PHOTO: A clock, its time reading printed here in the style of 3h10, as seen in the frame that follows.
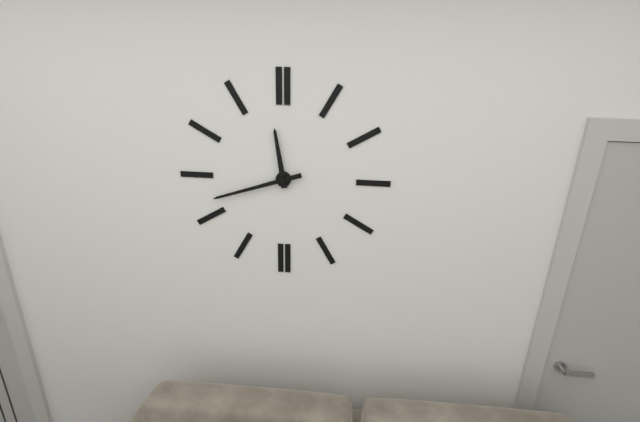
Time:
11h42
